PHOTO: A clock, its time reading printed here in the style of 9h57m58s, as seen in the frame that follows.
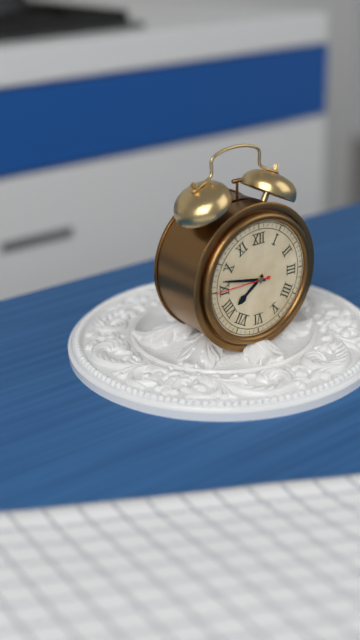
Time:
7h47m45s
